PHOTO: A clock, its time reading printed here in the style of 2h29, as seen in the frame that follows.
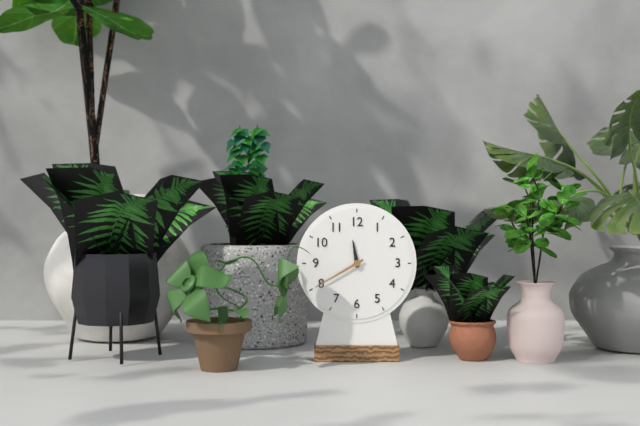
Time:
11h40
